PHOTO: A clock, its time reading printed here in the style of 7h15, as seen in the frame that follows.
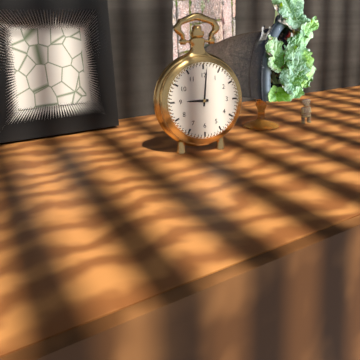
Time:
9h01
